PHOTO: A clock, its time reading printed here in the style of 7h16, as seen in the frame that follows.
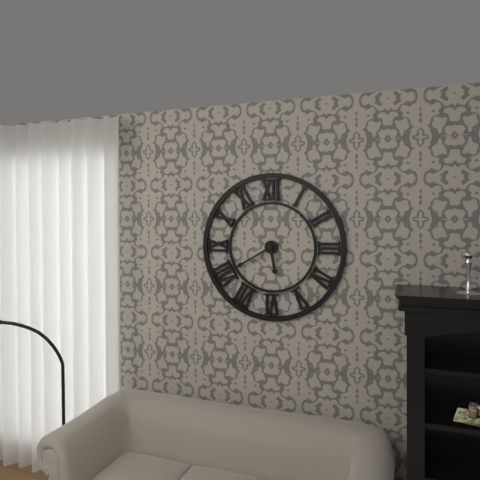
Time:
5h40
